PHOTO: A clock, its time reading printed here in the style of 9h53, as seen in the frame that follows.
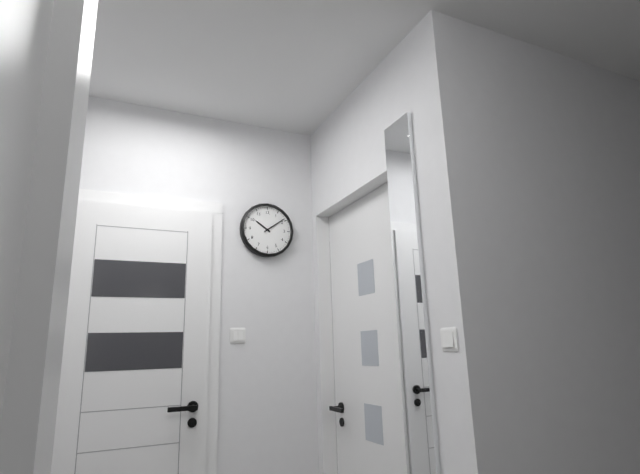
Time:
10h09
